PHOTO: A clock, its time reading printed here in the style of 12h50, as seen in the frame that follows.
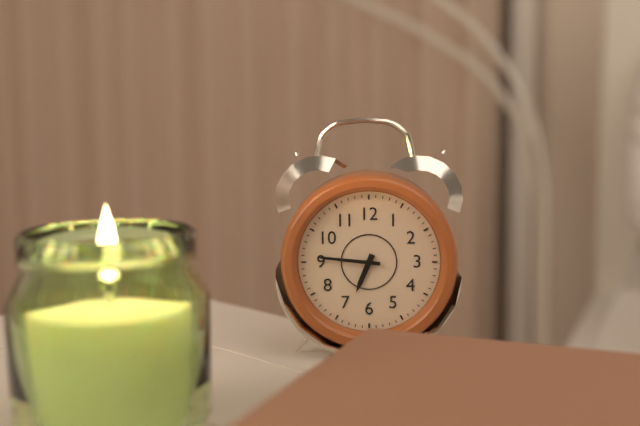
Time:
6h46
